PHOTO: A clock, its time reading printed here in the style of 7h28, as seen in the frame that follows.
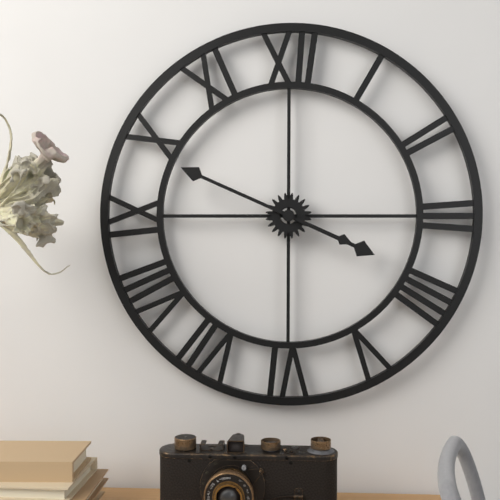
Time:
3h49
